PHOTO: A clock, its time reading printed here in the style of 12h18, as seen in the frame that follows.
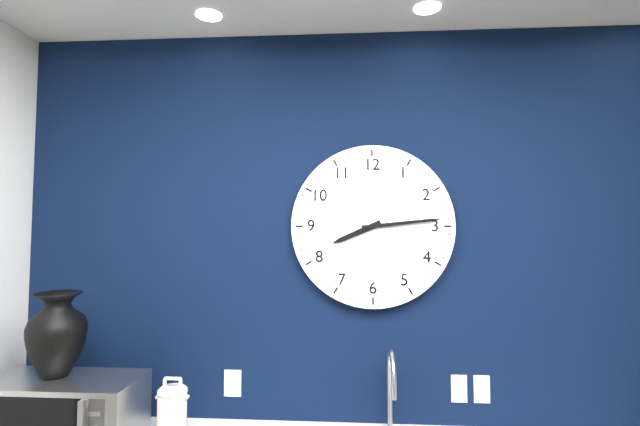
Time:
8h14
